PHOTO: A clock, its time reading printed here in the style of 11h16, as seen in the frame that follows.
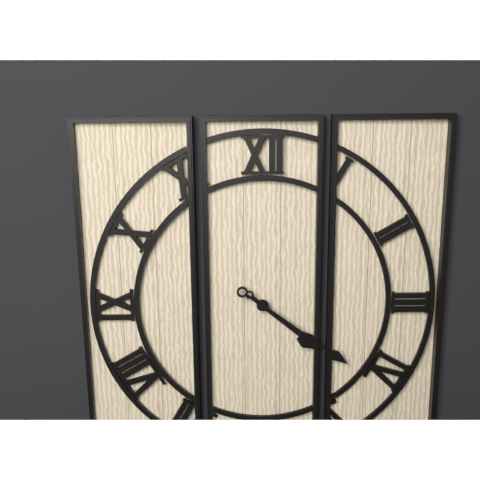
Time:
4h21
